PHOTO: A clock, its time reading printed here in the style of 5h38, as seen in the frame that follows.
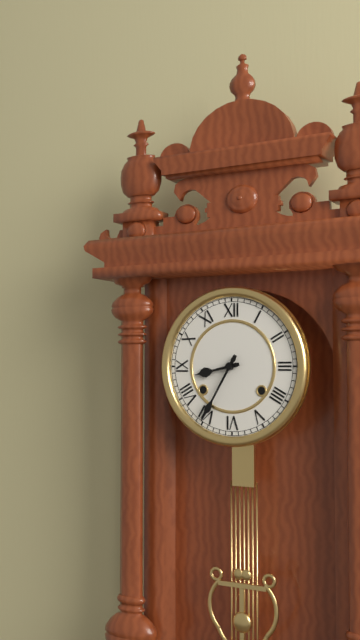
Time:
8h35
